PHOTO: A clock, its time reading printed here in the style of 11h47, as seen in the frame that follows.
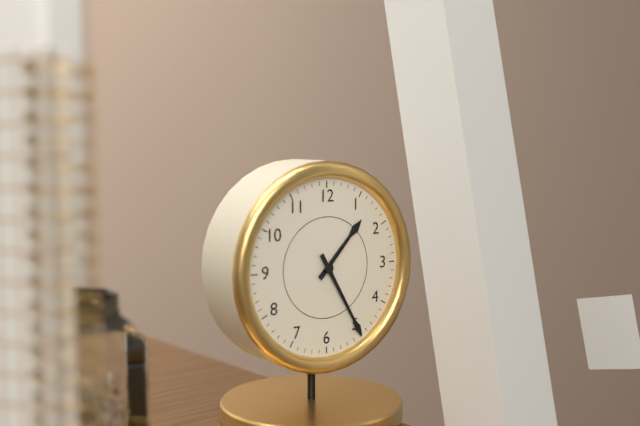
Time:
1h25
